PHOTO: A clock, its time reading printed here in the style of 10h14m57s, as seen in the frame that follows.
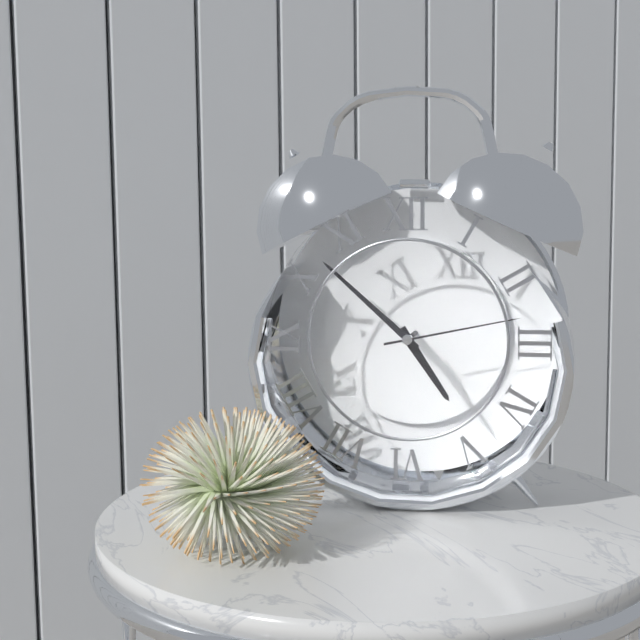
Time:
4h52m13s
